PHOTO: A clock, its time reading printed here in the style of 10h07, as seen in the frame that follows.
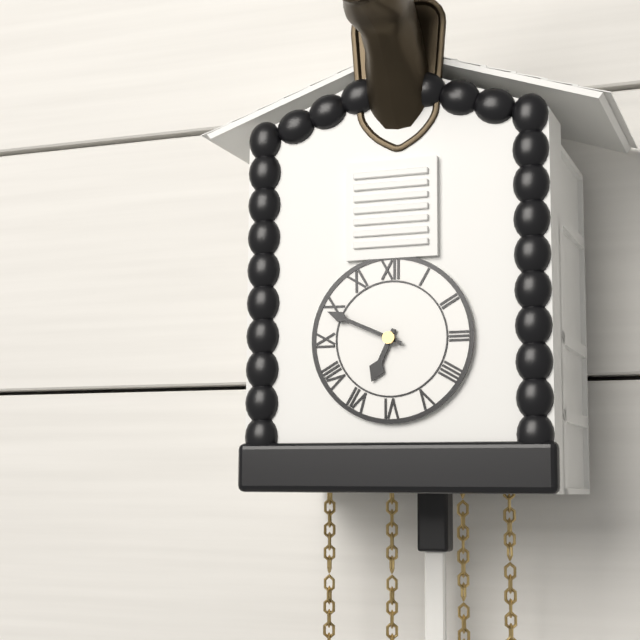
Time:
6h49
